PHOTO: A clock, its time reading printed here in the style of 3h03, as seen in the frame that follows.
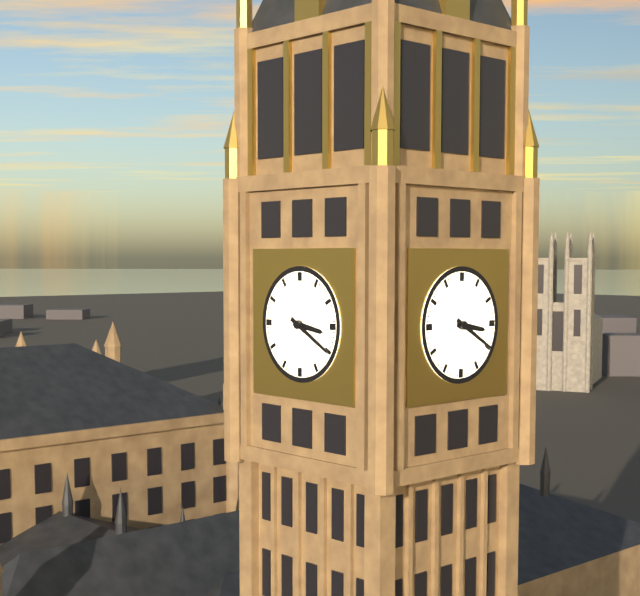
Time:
3h20
